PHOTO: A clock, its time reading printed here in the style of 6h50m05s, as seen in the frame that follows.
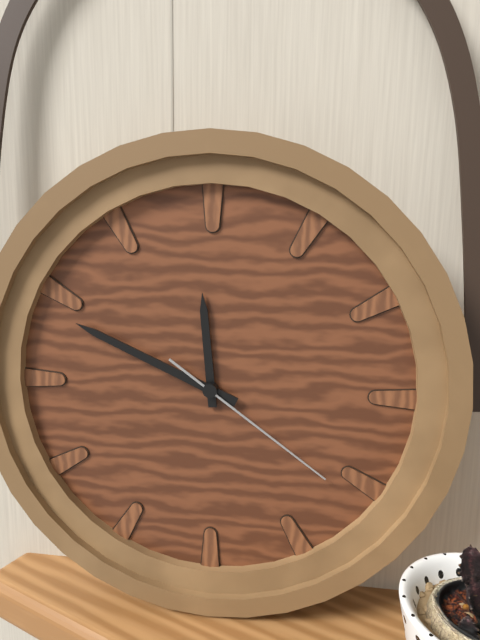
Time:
11h49m21s
